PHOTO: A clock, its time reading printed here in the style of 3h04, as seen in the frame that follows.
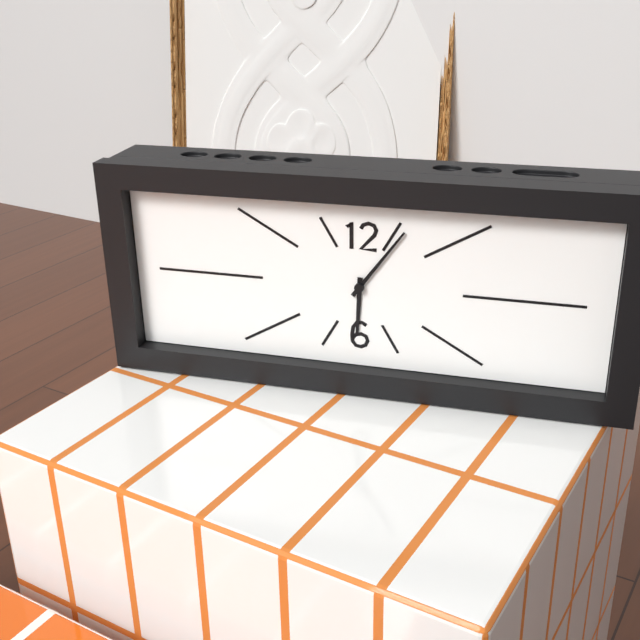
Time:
6h06
